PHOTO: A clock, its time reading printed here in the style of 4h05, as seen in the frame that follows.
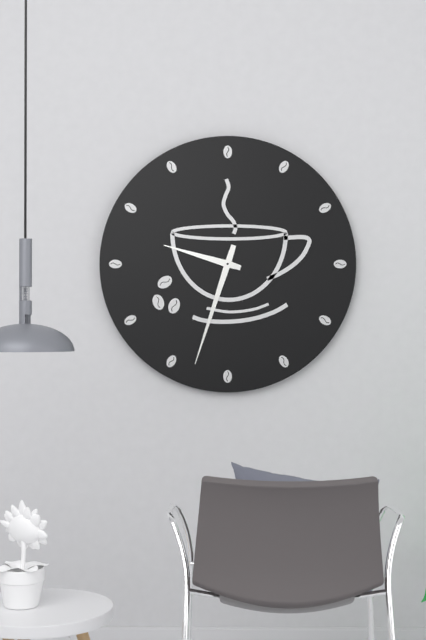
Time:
9h33
